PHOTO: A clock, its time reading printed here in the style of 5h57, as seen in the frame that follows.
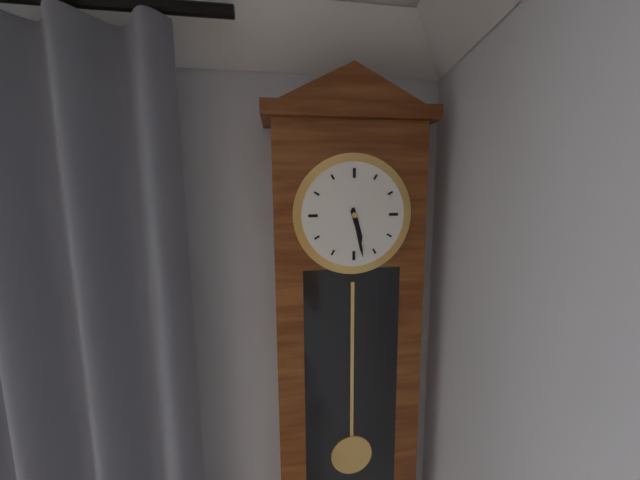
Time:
5h28
